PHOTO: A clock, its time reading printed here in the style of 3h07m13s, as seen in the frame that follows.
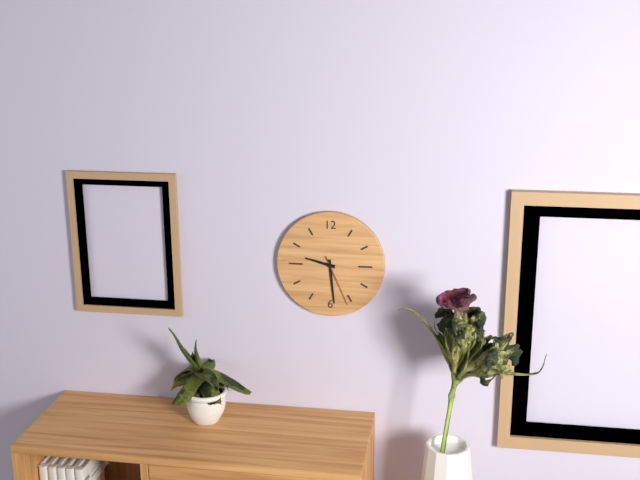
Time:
9h29m26s
